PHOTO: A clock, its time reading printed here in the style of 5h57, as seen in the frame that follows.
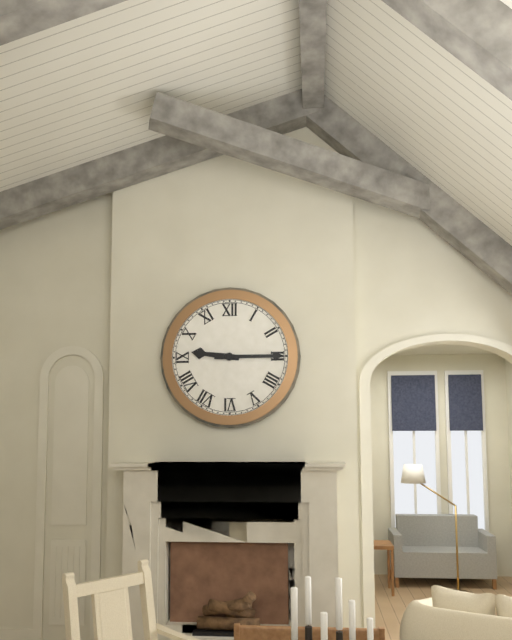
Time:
9h15
